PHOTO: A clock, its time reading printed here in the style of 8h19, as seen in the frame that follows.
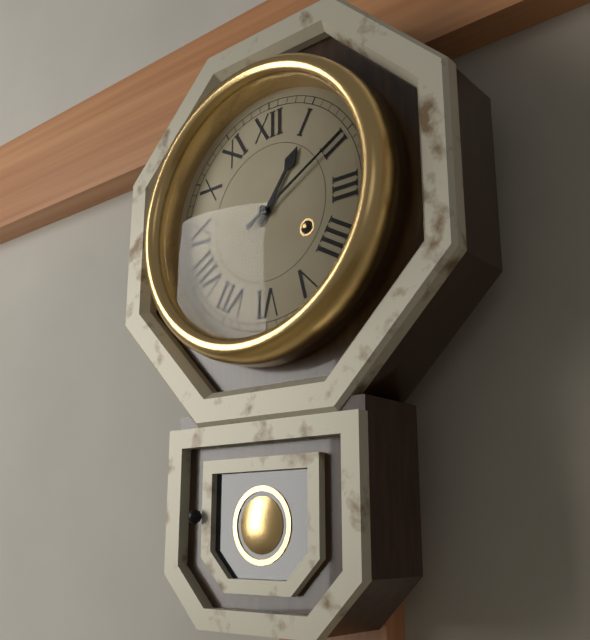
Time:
1h10
